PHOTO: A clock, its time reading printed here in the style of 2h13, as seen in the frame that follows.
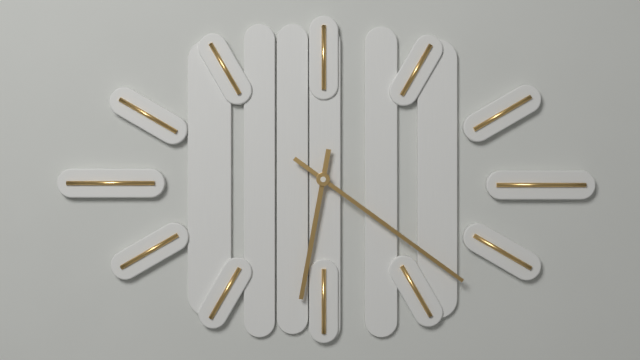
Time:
6h21
